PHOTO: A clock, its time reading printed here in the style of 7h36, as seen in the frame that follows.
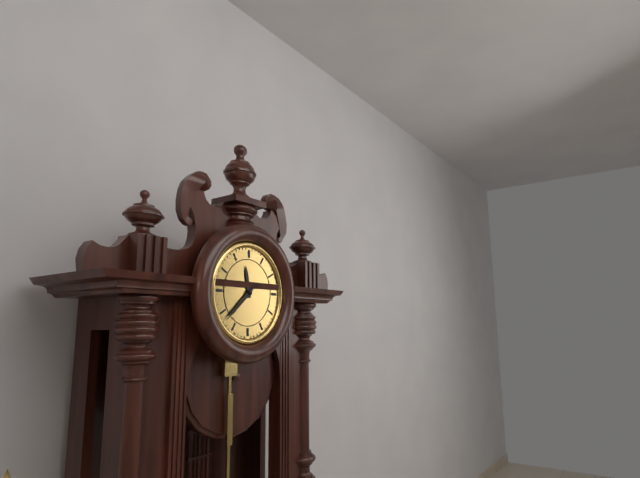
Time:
11h38
